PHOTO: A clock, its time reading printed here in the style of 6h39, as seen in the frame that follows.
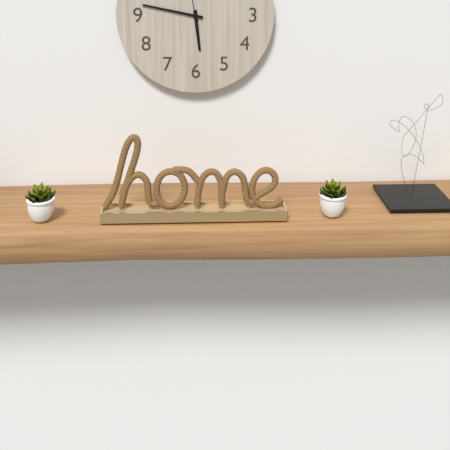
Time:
5h47
